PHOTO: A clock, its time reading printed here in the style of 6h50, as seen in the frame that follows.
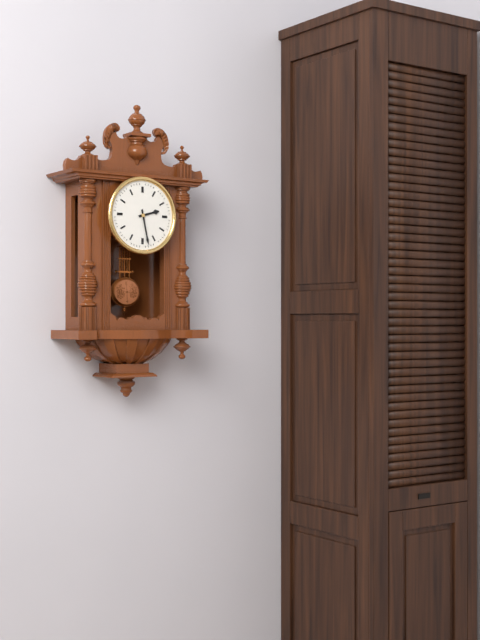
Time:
2h28
